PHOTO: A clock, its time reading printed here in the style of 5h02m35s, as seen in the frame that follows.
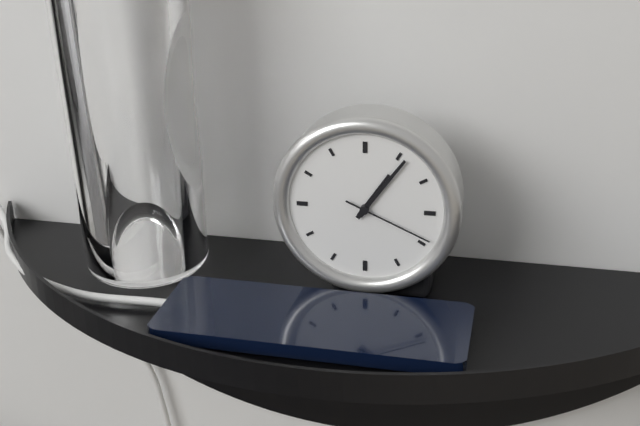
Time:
1h06m19s
